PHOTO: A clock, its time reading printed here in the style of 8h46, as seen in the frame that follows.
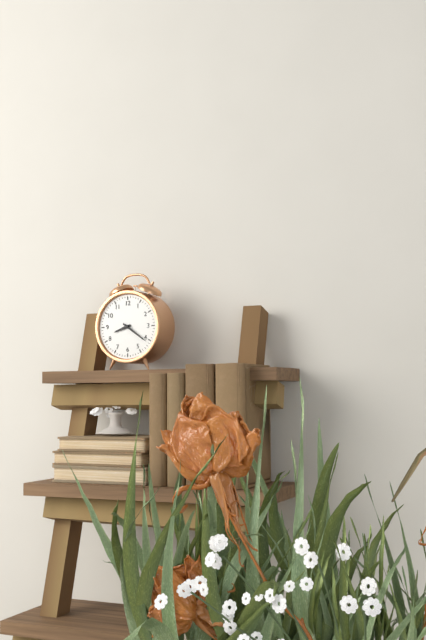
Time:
8h21
